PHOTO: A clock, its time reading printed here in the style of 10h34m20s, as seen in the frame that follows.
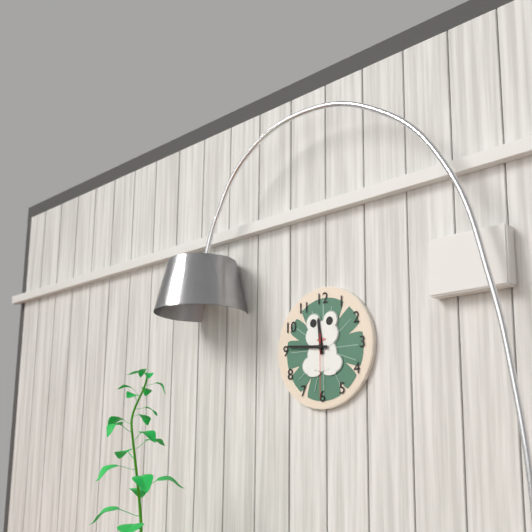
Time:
11h46m30s
